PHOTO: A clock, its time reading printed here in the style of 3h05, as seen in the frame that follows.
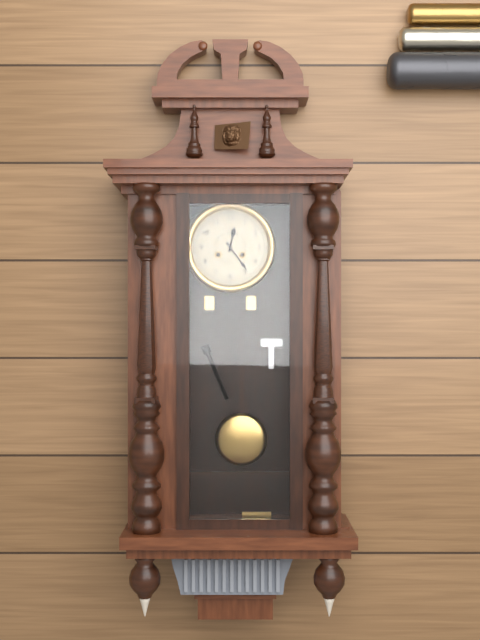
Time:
12h24
